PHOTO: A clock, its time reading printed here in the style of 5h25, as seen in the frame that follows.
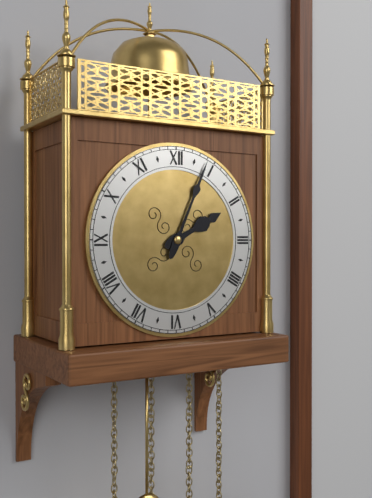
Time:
2h04
